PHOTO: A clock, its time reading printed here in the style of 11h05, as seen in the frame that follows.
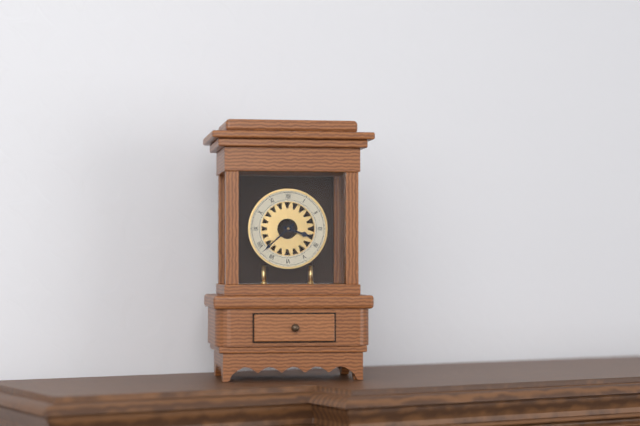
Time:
3h38
